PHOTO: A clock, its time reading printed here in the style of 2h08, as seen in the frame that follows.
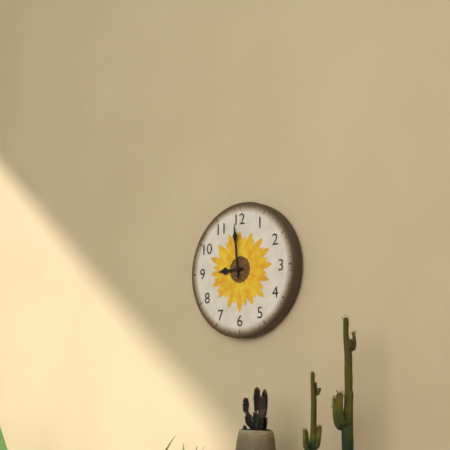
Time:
8h59
